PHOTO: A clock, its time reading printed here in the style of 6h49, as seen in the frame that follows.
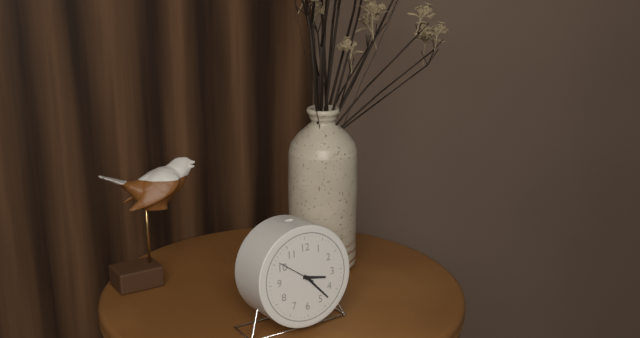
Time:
3h23
